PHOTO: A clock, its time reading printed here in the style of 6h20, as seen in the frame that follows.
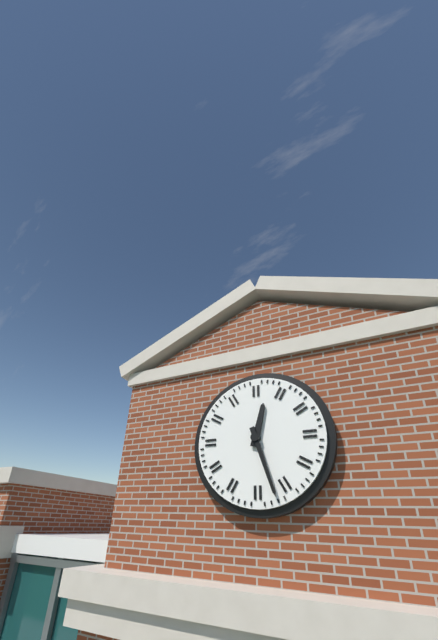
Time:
12h27
